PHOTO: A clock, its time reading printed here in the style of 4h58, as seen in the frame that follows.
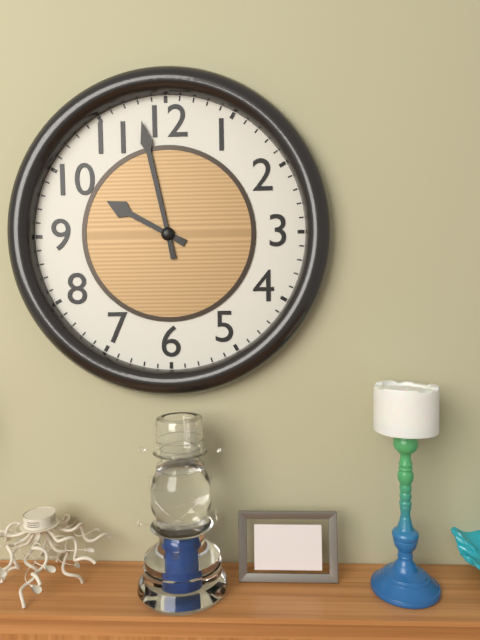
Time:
9h58
